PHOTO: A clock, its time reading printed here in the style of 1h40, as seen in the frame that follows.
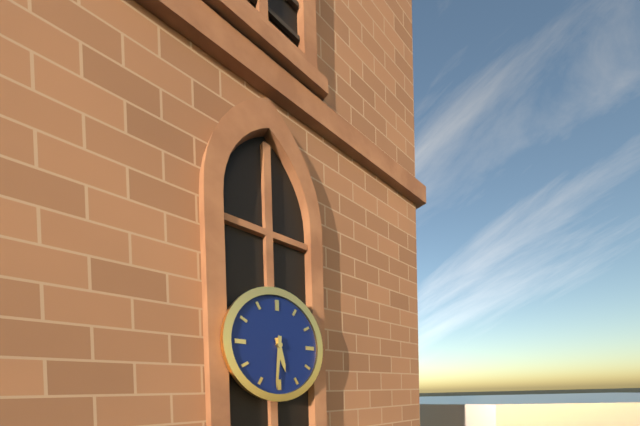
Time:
5h31
